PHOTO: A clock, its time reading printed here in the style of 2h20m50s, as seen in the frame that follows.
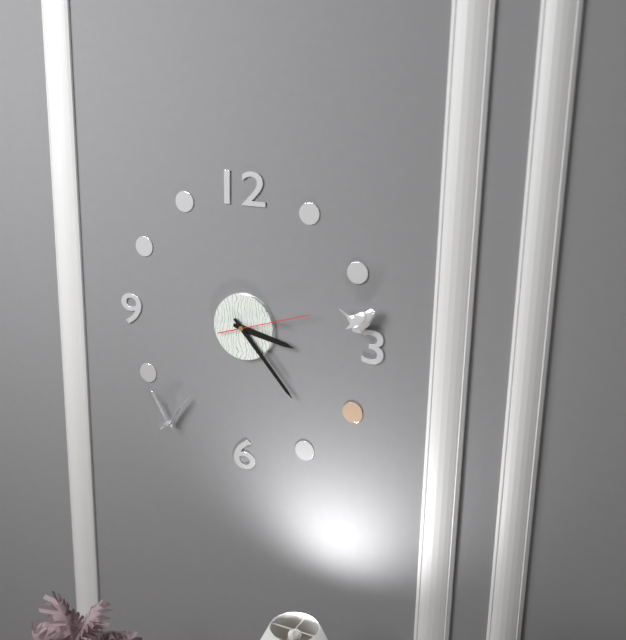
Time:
3h23m12s
